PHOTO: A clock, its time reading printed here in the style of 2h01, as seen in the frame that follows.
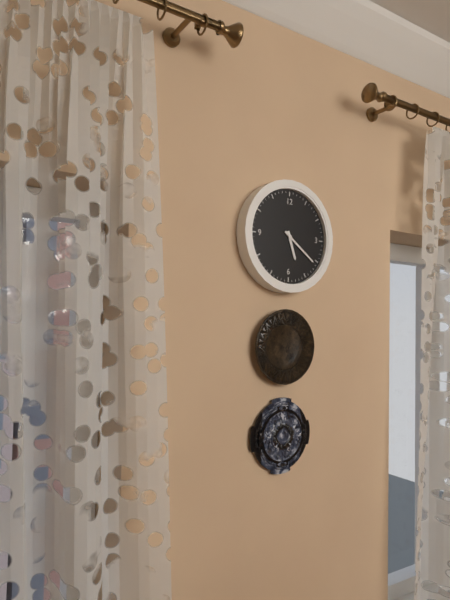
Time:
5h21
